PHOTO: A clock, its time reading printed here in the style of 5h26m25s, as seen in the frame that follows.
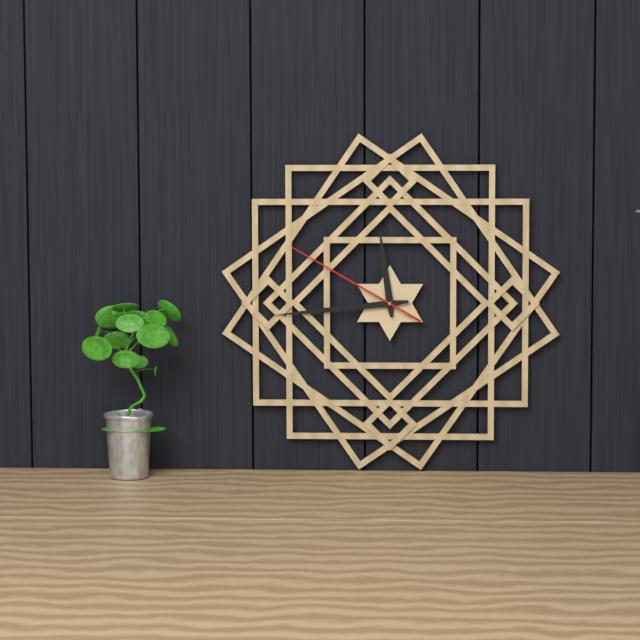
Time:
11h44m50s
